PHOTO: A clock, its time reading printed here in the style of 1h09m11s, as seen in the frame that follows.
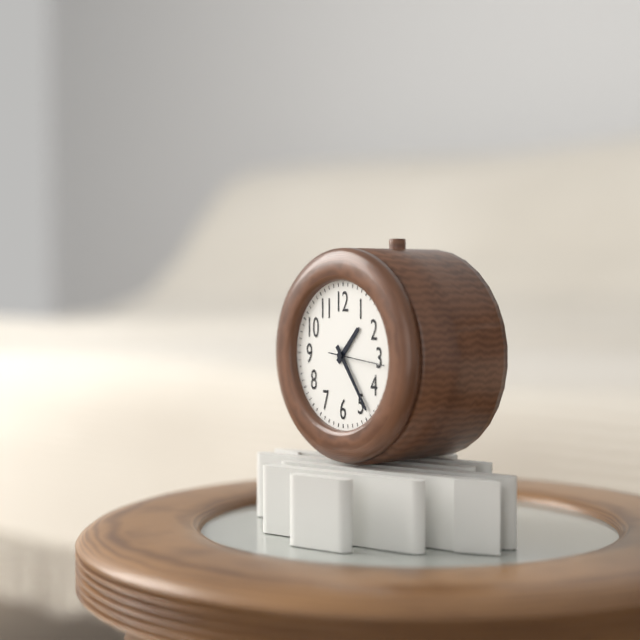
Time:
1h24m16s
